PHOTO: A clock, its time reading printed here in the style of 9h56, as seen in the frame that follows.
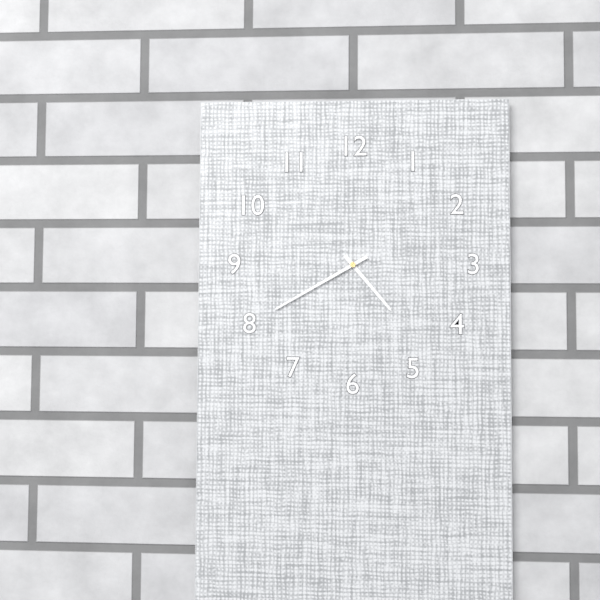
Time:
4h40
